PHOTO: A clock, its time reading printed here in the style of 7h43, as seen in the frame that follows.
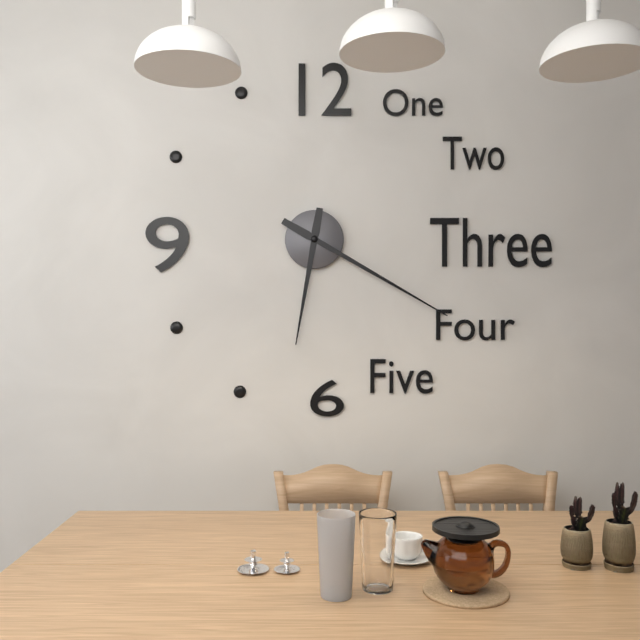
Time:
6h20
